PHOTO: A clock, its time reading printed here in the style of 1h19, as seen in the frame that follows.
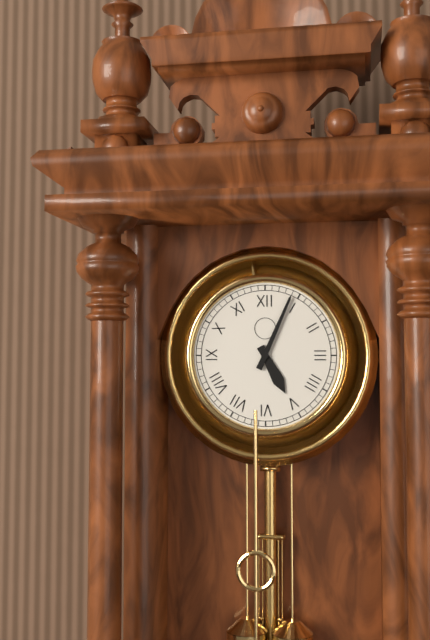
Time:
5h04
